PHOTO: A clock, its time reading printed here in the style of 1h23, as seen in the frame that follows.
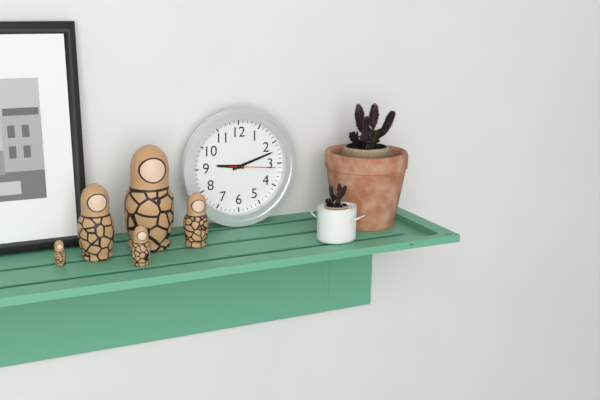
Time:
9h12
